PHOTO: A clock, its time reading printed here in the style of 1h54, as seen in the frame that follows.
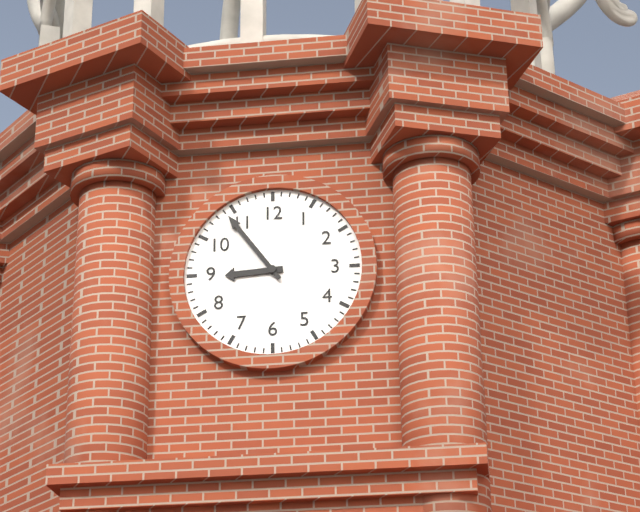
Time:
8h54
